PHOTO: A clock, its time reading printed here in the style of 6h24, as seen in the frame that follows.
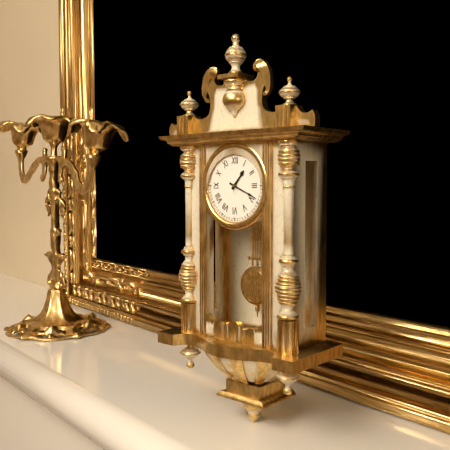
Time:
1h19
